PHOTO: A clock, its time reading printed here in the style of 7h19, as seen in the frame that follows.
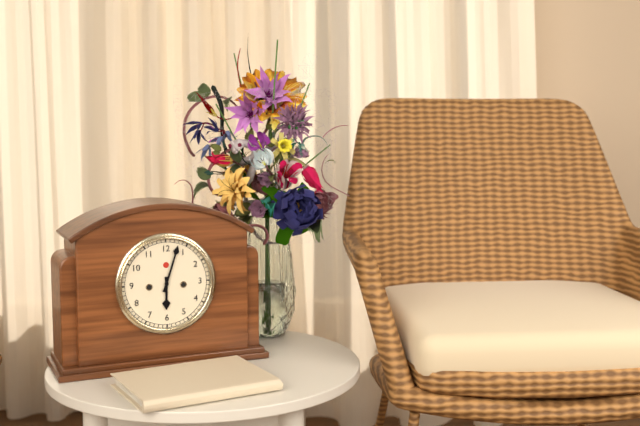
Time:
6h03
